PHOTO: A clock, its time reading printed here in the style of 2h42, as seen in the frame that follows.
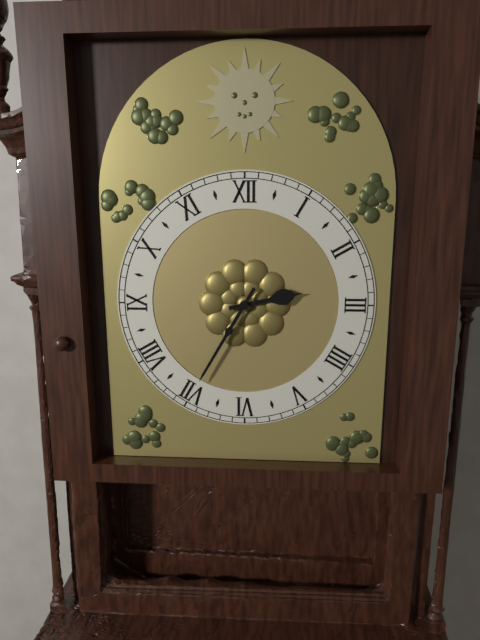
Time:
2h35
